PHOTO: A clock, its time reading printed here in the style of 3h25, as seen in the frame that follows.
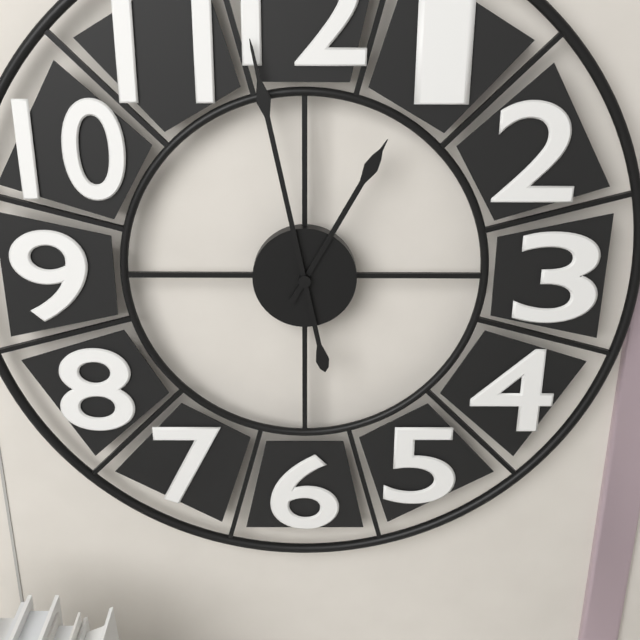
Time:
12h58
